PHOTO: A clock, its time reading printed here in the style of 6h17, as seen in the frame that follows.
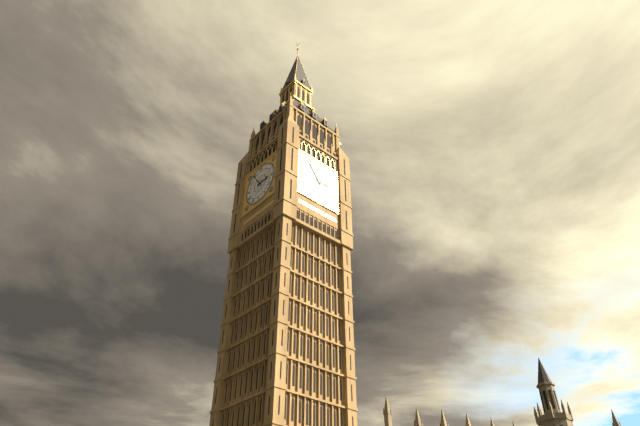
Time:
2h54
